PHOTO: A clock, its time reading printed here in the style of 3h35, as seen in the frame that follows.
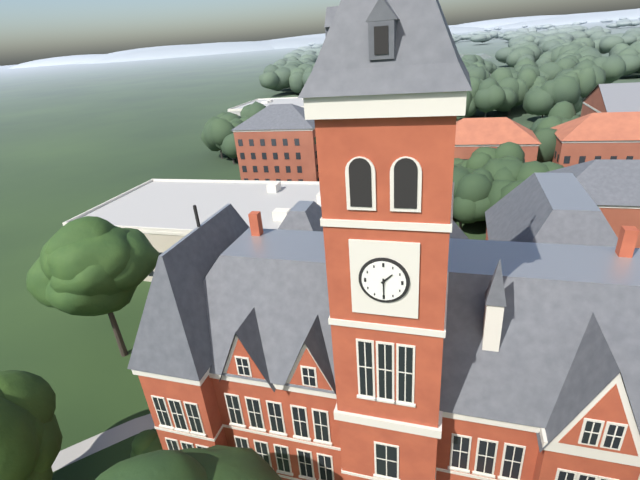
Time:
1h30
